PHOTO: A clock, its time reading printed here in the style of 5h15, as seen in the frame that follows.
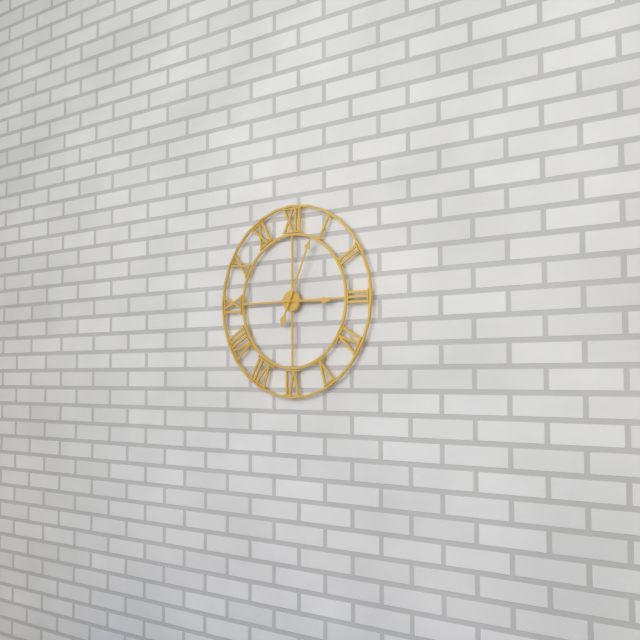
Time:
3h04
